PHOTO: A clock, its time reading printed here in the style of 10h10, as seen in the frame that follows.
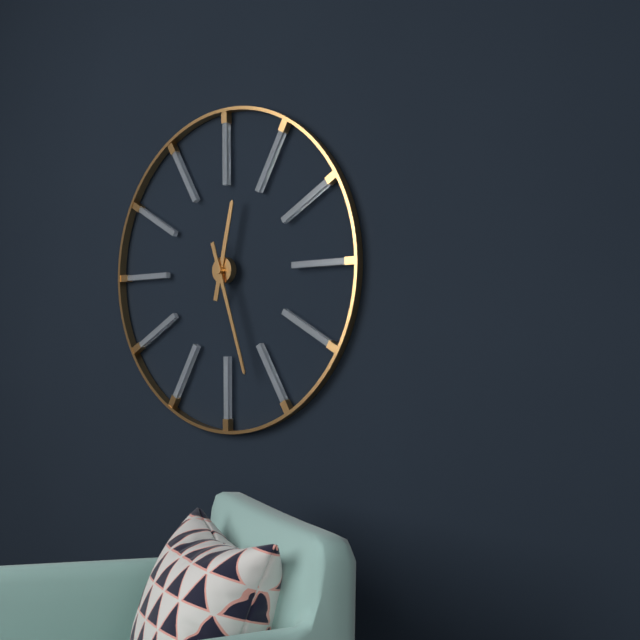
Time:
12h27
